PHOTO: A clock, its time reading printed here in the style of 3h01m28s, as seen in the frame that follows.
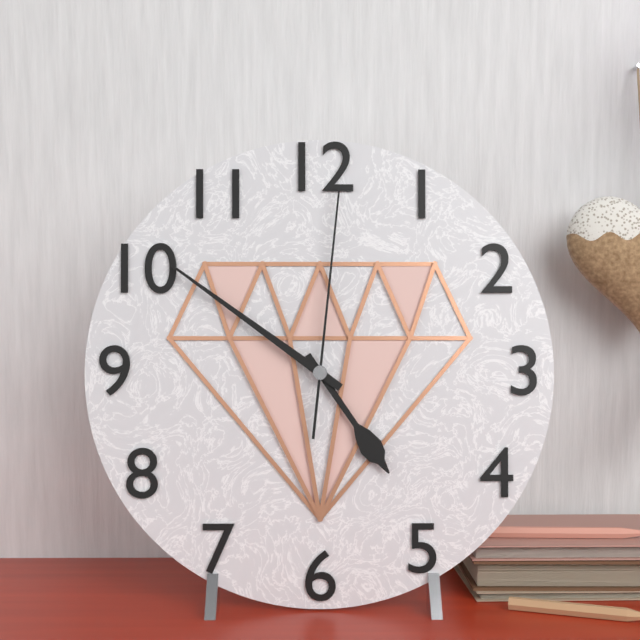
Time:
4h51m01s
